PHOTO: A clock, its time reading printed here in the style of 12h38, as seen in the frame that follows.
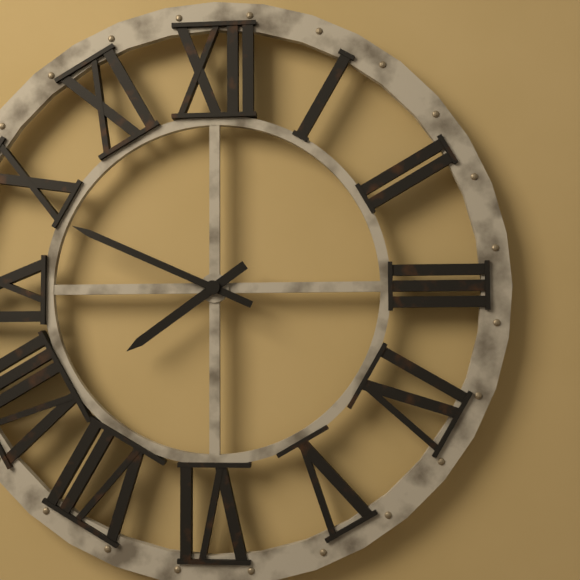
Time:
7h49
